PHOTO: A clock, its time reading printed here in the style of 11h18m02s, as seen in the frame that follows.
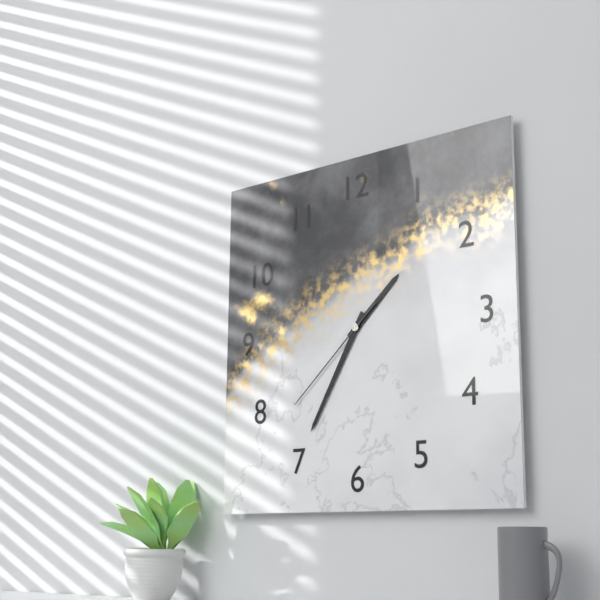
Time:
1h35m38s
